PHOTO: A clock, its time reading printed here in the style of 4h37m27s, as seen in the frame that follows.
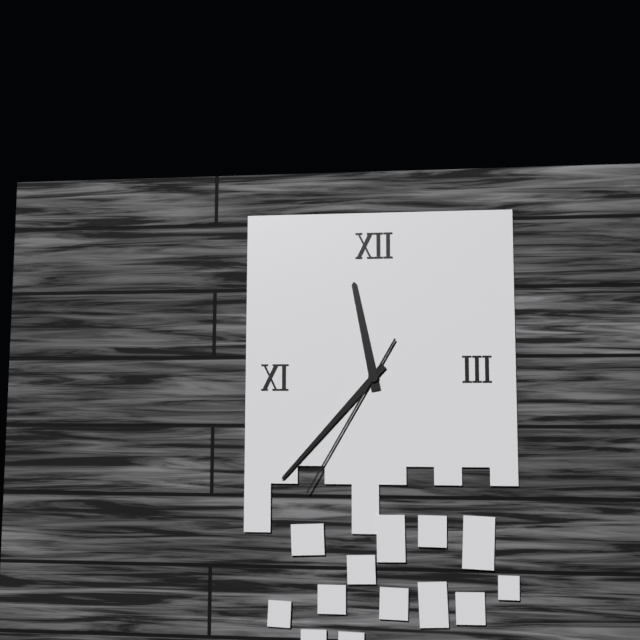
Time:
11h37m35s
